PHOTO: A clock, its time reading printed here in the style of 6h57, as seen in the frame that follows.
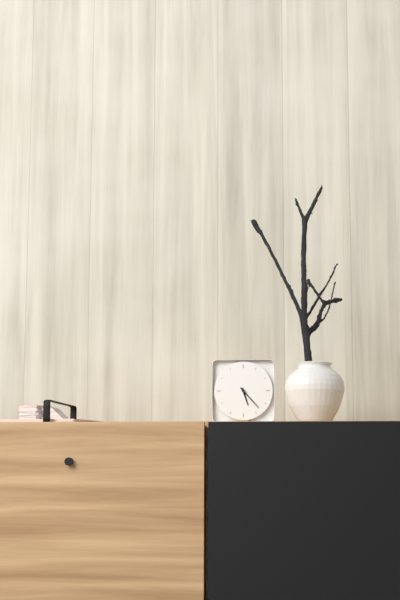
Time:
5h23
